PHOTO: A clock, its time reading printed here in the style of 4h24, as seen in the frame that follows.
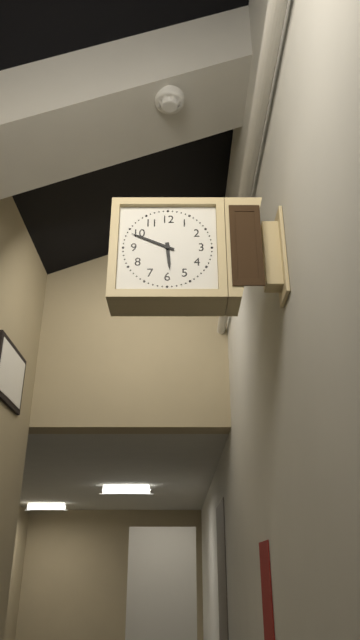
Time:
5h49
